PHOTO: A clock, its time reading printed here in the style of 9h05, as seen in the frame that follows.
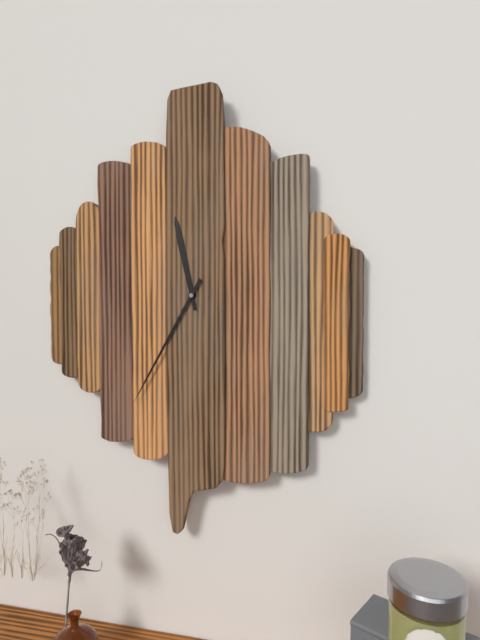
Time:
11h35
